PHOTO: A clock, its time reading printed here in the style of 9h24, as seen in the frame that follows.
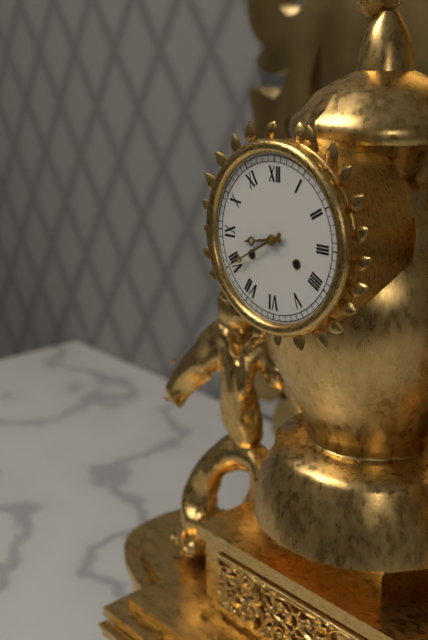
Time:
8h40
